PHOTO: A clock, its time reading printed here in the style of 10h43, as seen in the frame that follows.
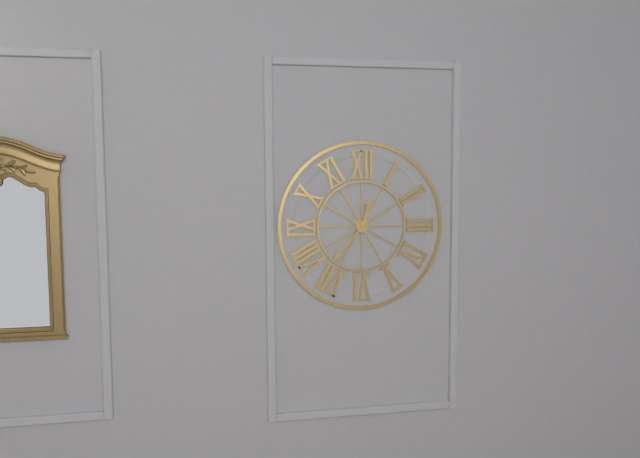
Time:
12h37
